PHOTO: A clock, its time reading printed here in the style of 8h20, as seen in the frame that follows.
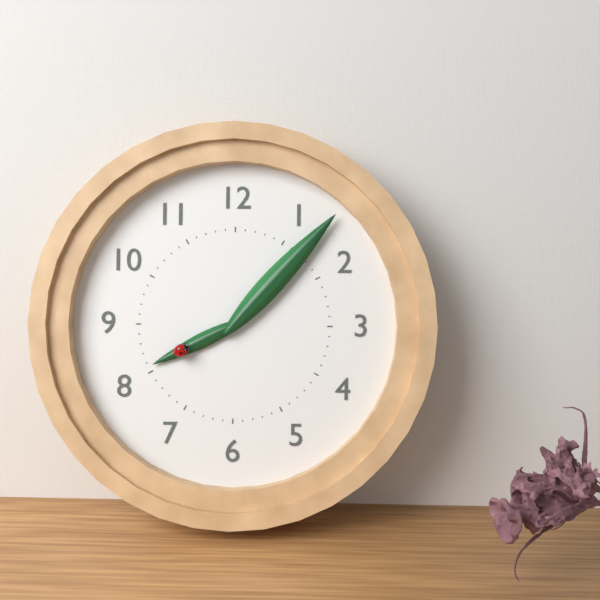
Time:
8h07
